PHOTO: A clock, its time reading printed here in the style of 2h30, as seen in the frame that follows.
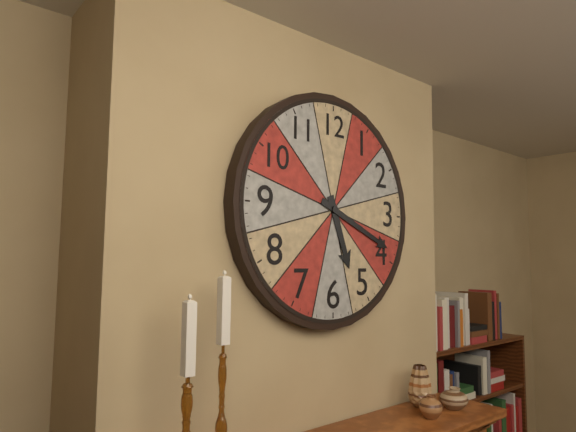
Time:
5h19
